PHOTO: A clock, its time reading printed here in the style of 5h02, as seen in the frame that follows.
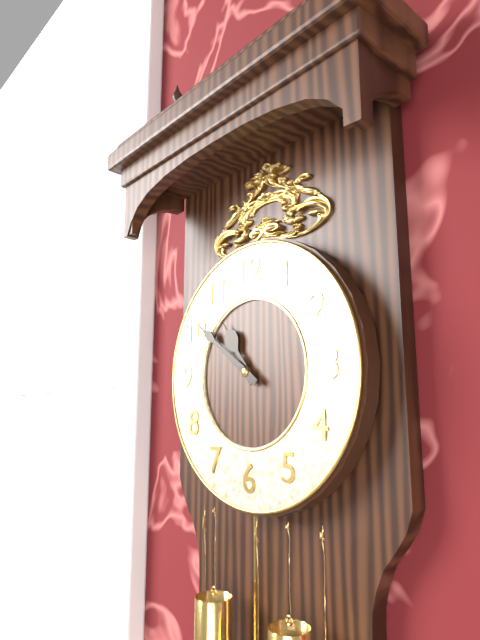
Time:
10h51
